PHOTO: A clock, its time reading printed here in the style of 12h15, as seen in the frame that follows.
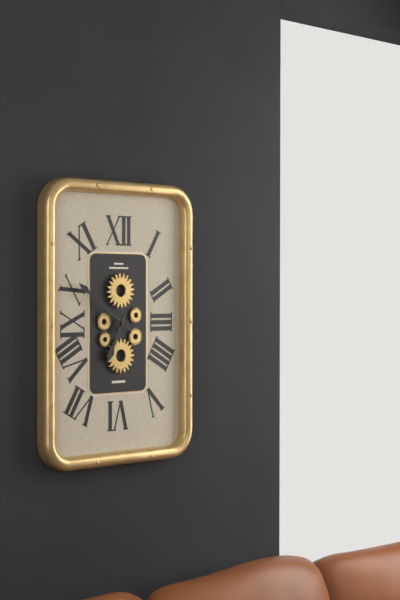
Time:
6h51
